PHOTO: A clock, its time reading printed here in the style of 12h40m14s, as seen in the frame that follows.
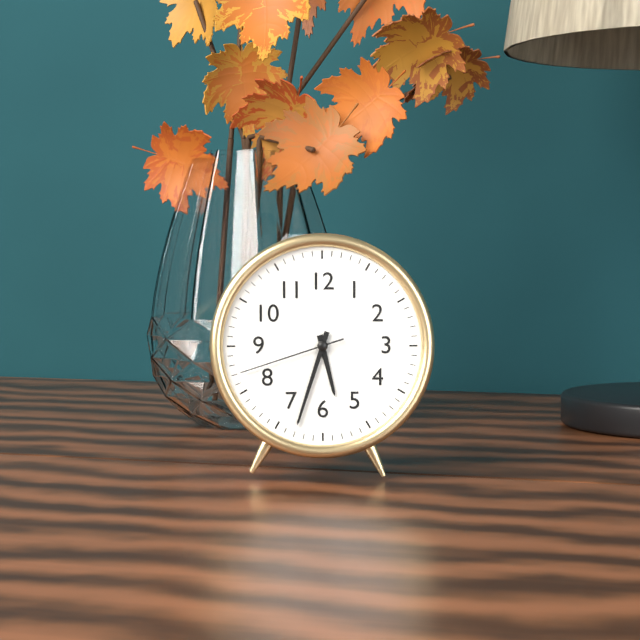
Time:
5h33m42s
